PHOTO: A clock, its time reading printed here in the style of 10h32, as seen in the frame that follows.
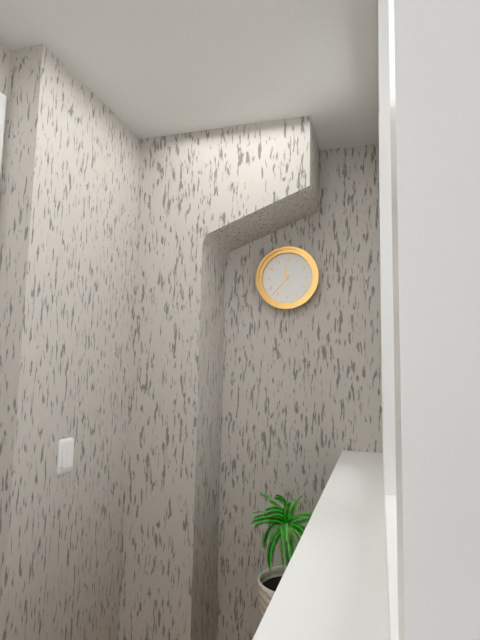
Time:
11h37
